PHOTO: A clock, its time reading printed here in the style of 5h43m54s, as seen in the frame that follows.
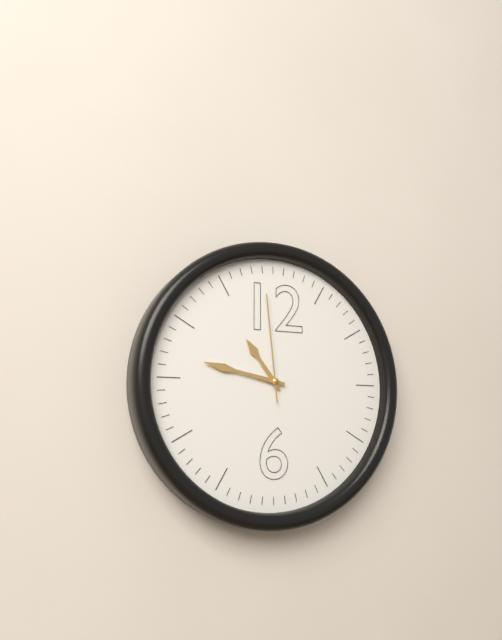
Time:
10h47m59s
